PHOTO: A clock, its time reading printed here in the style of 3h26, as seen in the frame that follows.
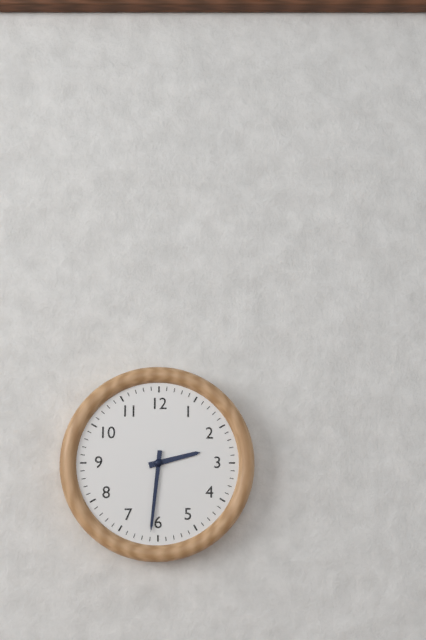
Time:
2h31
